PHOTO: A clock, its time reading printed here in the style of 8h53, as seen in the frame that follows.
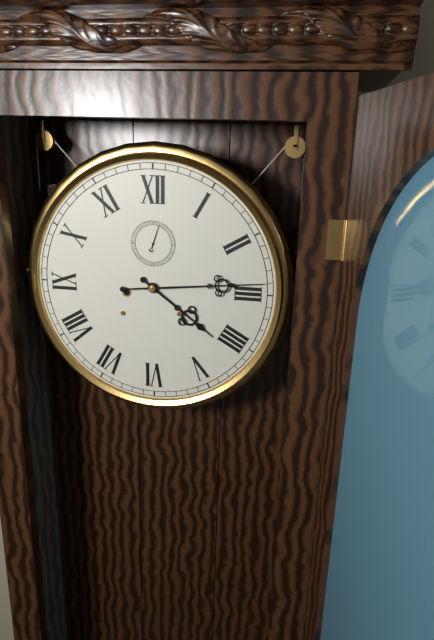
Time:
4h14
